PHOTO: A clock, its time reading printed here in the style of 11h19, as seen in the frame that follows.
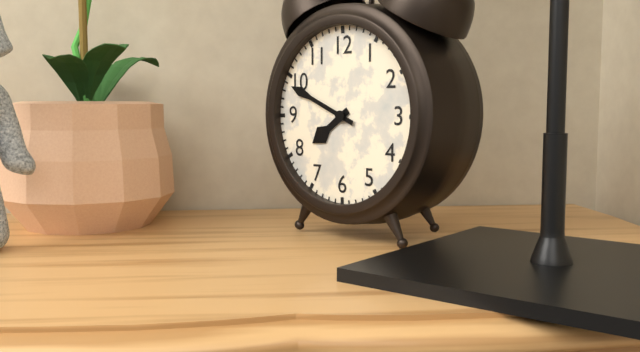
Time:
7h49
